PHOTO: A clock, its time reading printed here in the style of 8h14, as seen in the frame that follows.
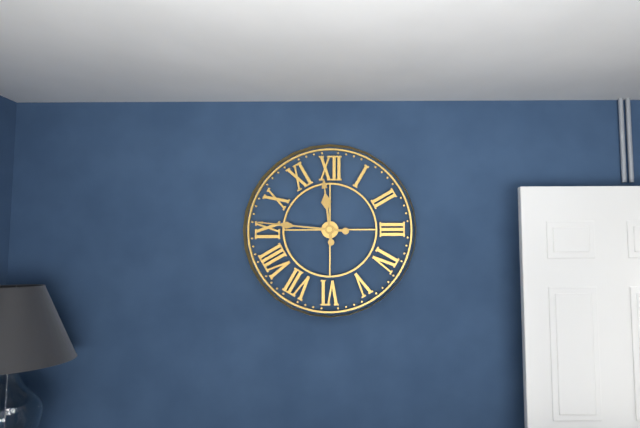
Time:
11h46
